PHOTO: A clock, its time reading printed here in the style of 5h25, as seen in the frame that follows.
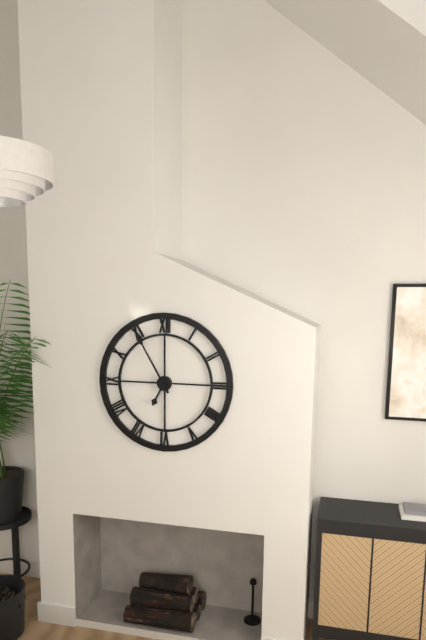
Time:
6h55
